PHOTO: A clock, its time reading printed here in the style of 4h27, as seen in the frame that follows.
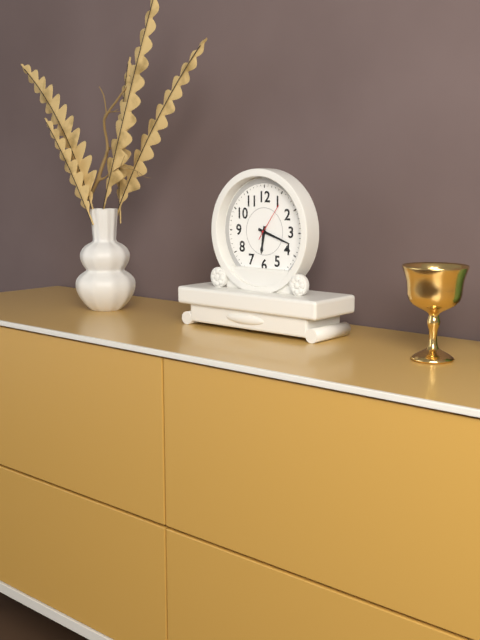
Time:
6h18
